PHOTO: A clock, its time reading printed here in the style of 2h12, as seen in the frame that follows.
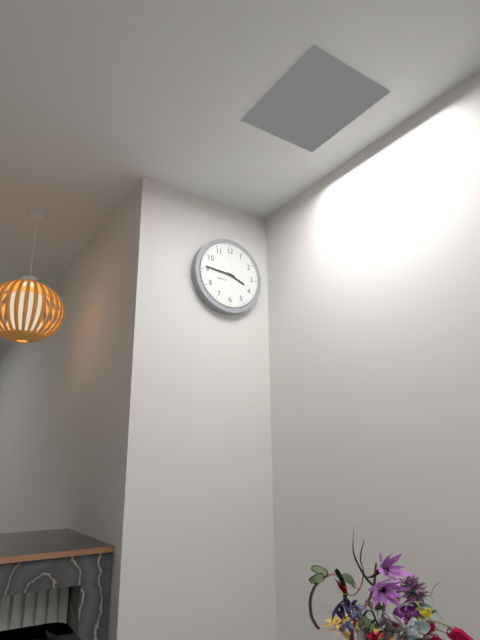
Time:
3h46
